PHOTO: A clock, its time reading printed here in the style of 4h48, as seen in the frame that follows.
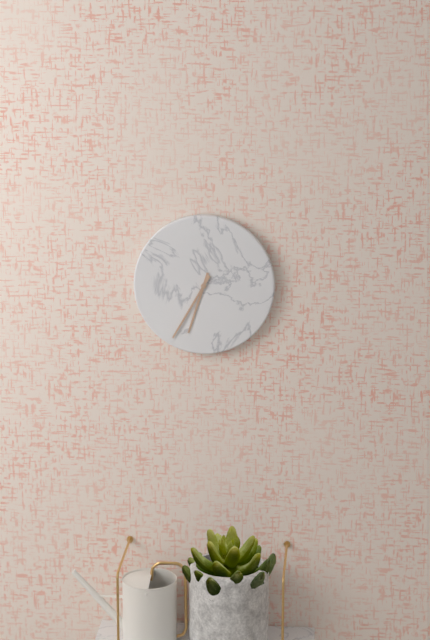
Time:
6h35
